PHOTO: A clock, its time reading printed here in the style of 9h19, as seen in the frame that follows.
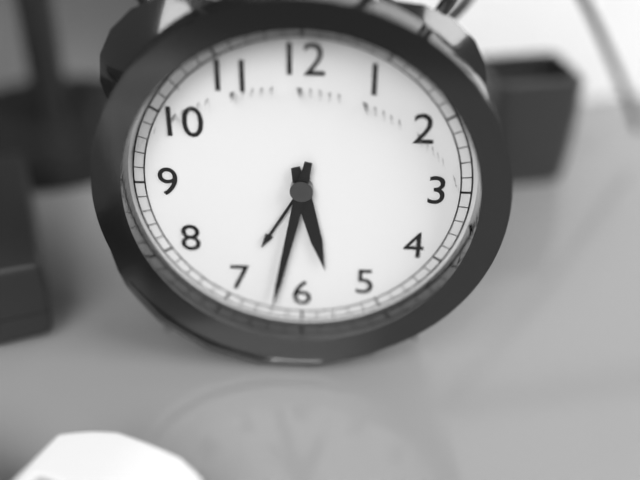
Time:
5h32
